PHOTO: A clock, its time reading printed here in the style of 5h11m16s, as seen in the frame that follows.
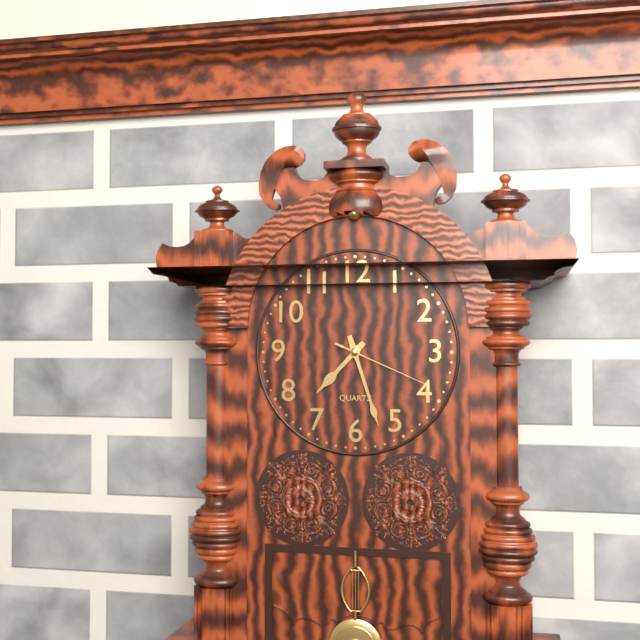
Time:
7h27m19s
